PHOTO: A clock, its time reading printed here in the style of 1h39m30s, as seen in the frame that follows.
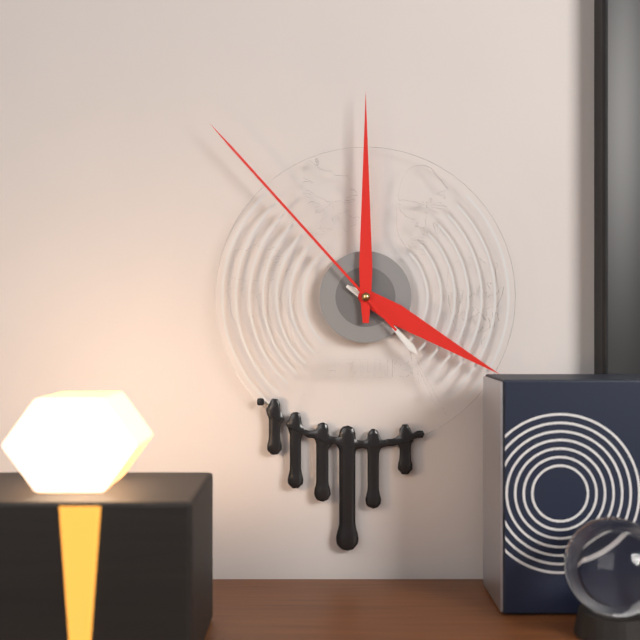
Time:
4h00m53s
